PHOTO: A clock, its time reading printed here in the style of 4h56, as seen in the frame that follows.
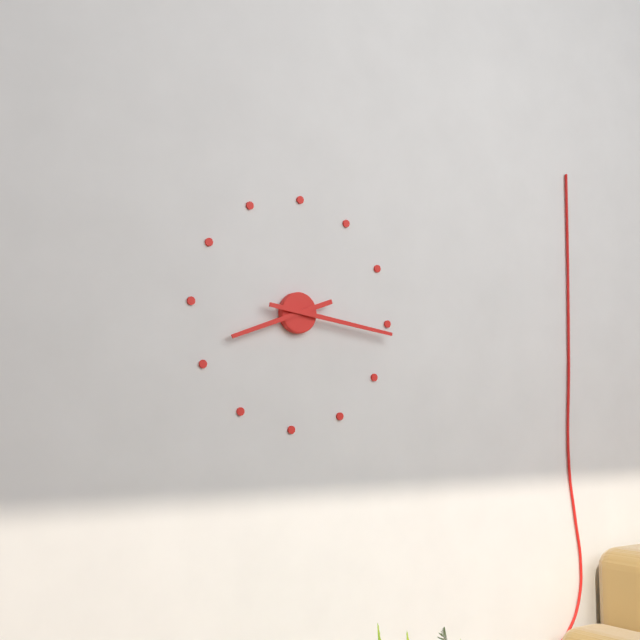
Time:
8h16
